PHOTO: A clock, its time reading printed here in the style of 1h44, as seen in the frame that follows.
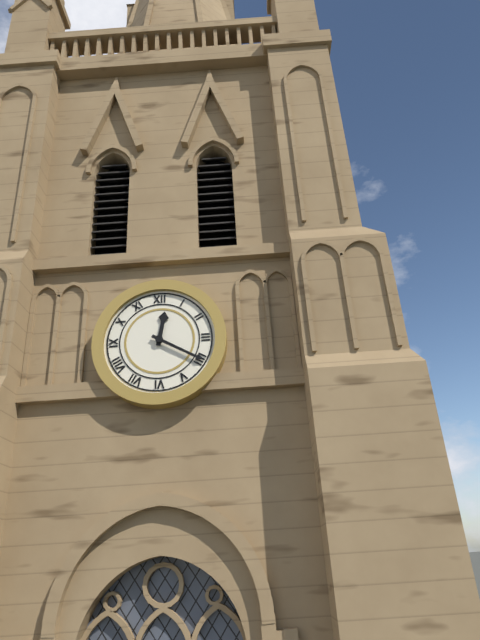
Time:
12h20
